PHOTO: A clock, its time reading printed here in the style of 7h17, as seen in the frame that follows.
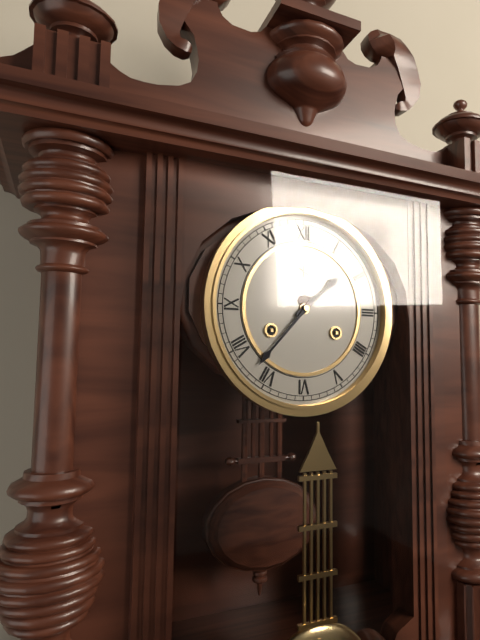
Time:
1h37
